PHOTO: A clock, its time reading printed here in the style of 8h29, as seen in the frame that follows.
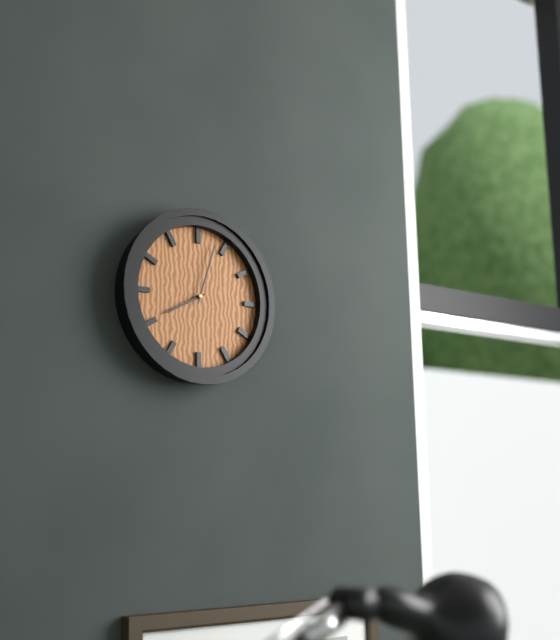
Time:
8h03
